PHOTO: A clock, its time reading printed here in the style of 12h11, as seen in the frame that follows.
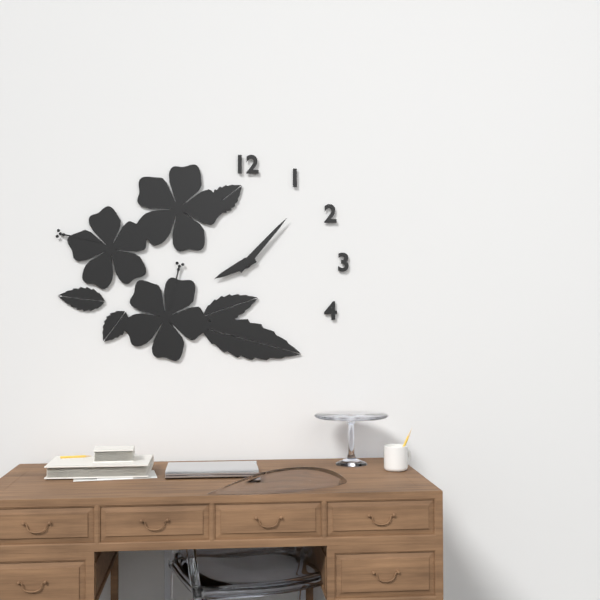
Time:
8h07
